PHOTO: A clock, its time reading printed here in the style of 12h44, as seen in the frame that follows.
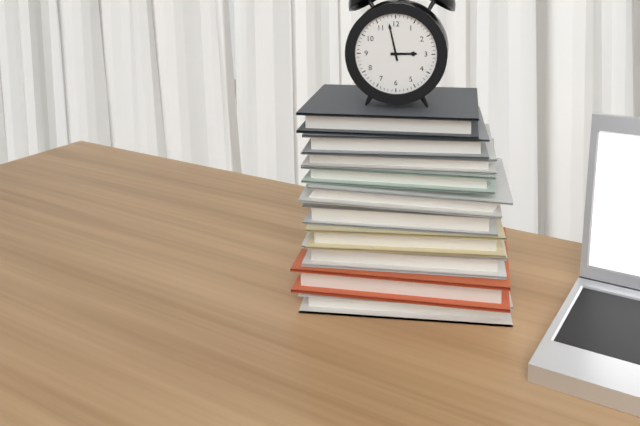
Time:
2h58
